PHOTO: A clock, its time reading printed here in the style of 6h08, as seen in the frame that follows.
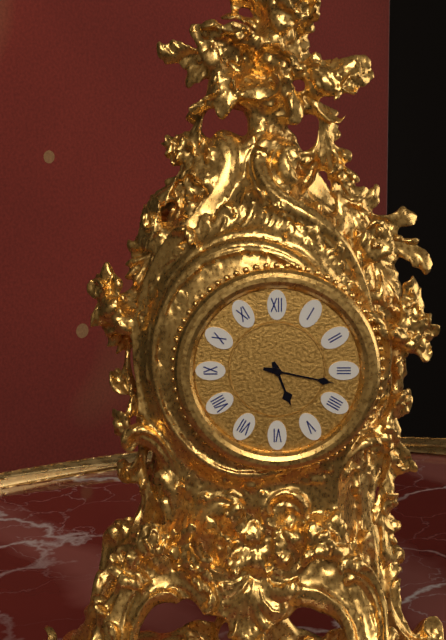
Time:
5h17
